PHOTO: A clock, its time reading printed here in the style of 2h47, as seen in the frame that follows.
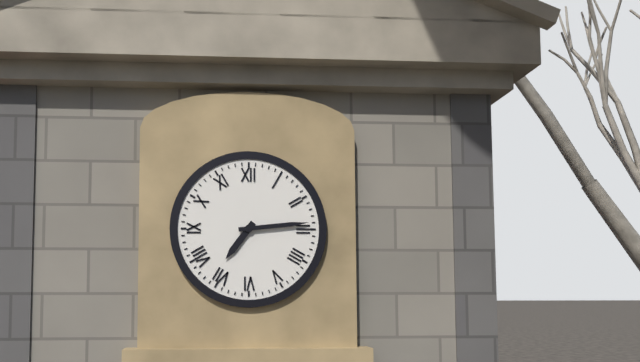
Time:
7h14
